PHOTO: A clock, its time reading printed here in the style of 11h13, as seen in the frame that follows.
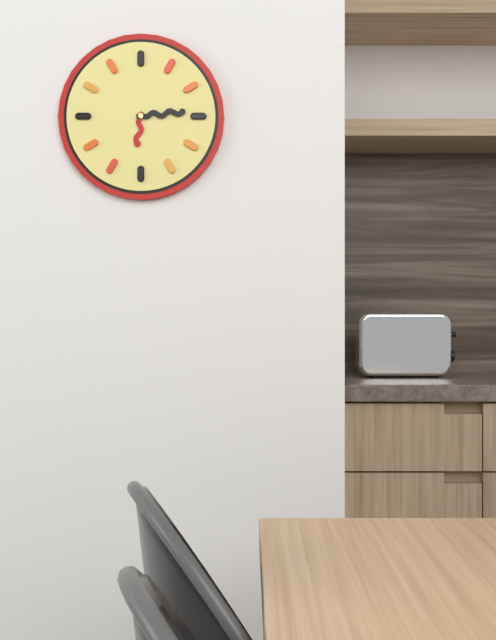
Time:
6h14
